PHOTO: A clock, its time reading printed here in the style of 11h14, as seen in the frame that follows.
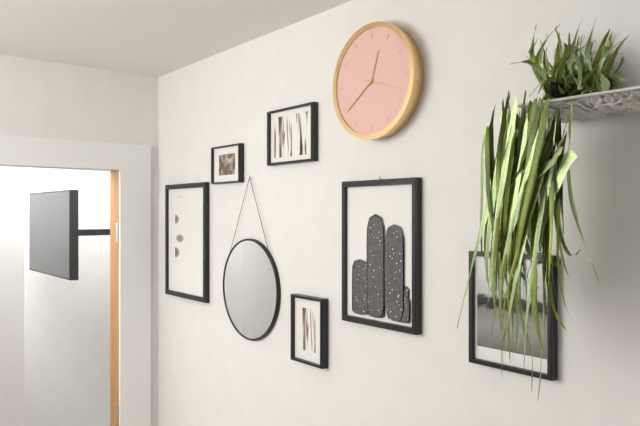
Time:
12h39
